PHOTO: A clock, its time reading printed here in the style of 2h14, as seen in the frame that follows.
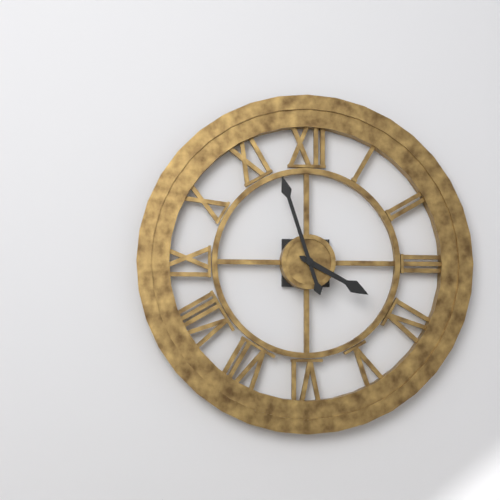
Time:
3h57
